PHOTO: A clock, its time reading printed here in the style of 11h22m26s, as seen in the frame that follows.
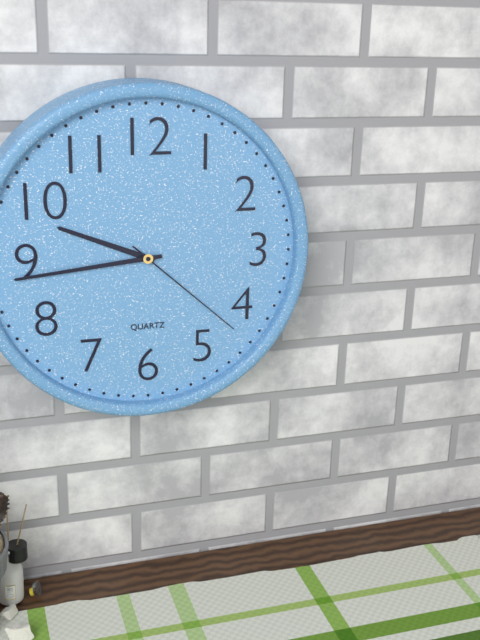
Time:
9h44m22s
